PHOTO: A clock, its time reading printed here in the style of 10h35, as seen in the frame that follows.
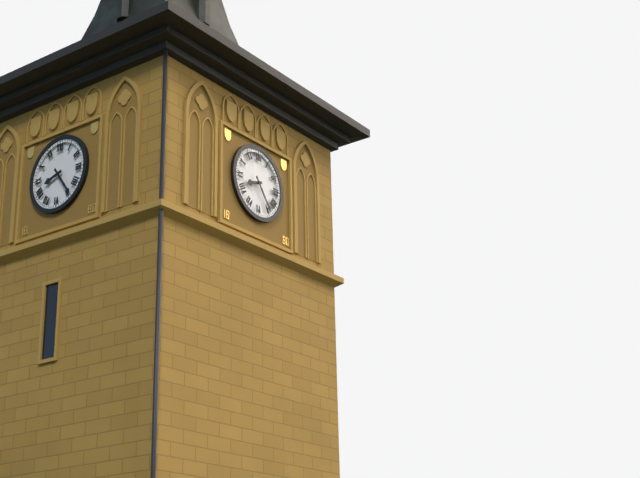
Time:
8h24
